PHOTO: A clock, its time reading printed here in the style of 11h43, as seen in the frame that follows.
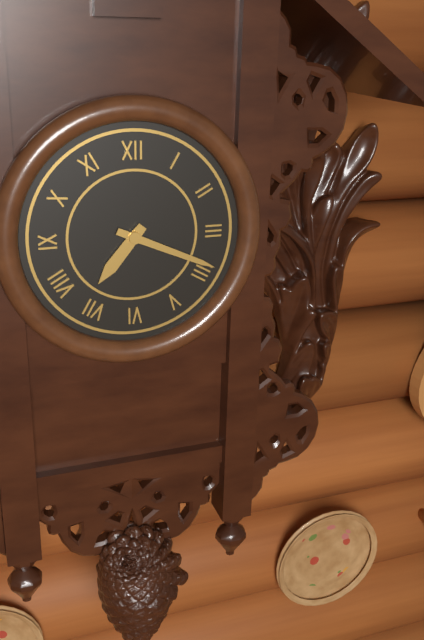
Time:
7h19
